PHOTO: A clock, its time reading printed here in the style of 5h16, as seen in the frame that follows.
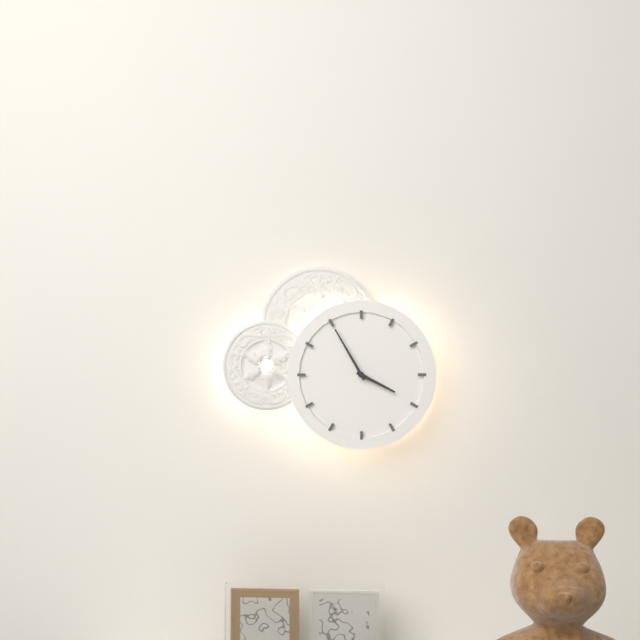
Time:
3h55
